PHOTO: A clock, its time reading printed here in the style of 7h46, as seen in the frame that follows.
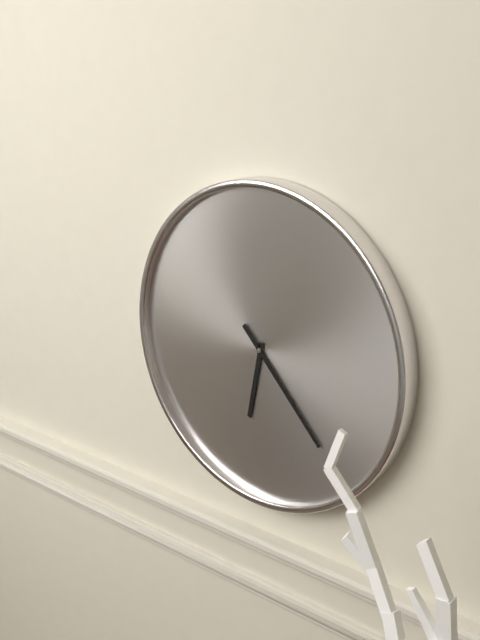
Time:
6h23
